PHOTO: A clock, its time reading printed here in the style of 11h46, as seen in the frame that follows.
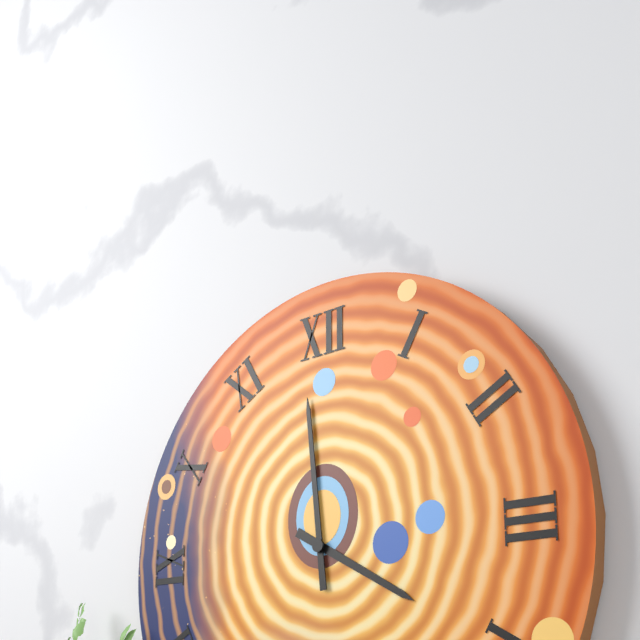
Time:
3h59
